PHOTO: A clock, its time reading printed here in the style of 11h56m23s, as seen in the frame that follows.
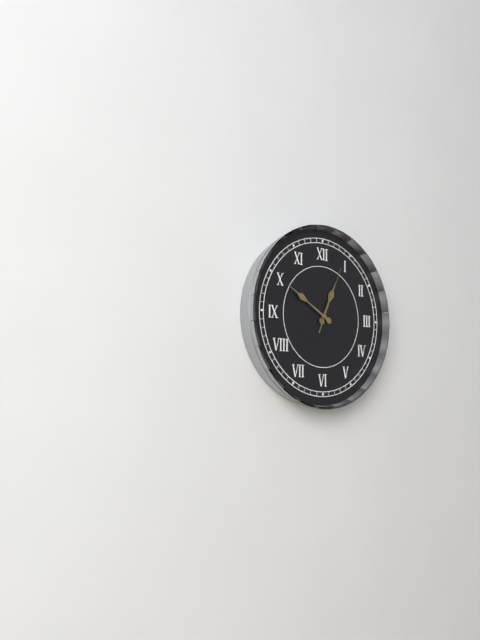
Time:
12h50m04s
